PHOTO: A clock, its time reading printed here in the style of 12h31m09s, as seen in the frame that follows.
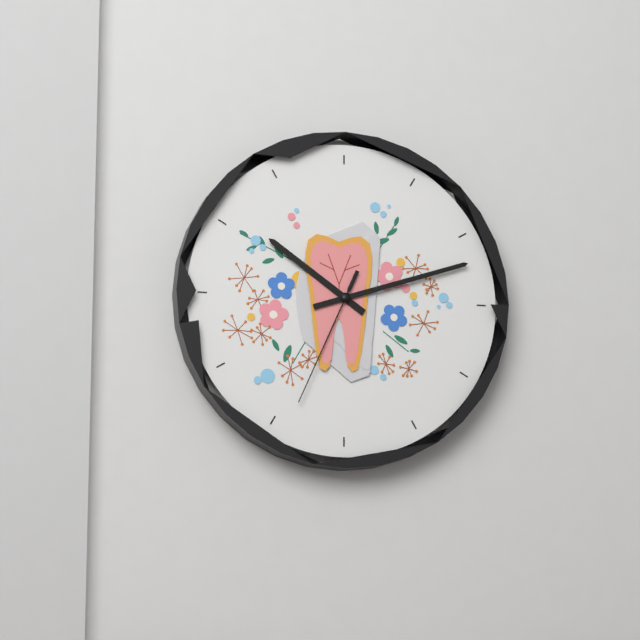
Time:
10h12m34s
